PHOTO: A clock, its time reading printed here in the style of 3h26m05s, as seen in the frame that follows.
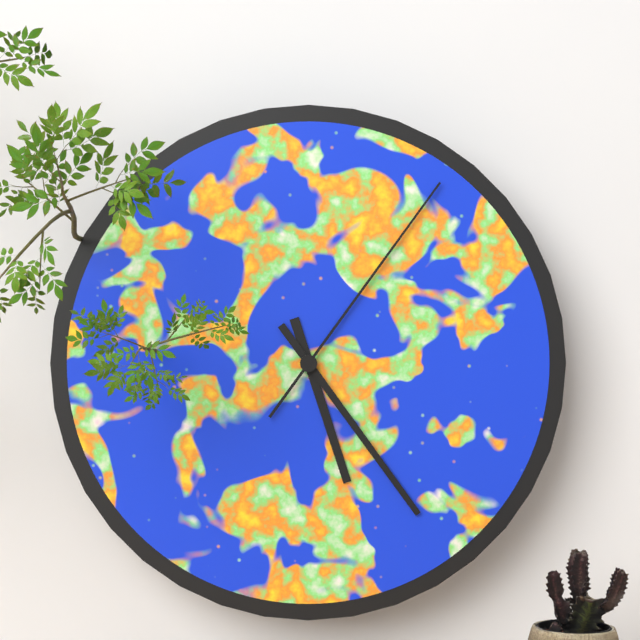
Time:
5h24m06s
